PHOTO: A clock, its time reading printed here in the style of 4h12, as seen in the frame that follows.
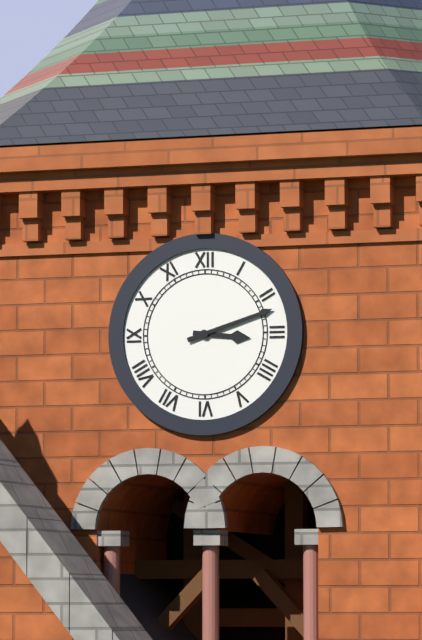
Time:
3h12
